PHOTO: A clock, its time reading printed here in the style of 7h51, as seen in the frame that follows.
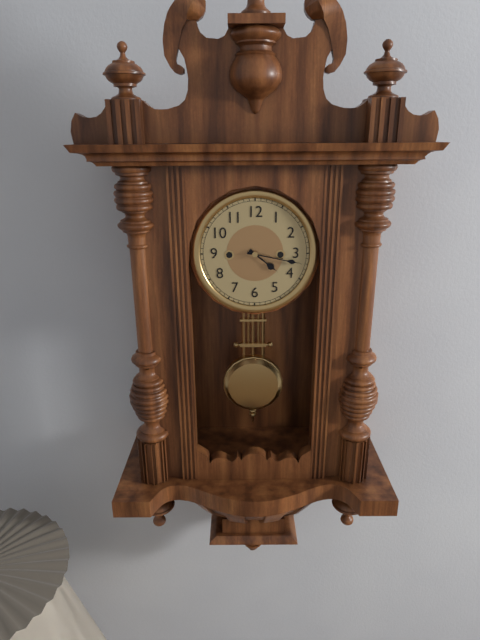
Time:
4h17
